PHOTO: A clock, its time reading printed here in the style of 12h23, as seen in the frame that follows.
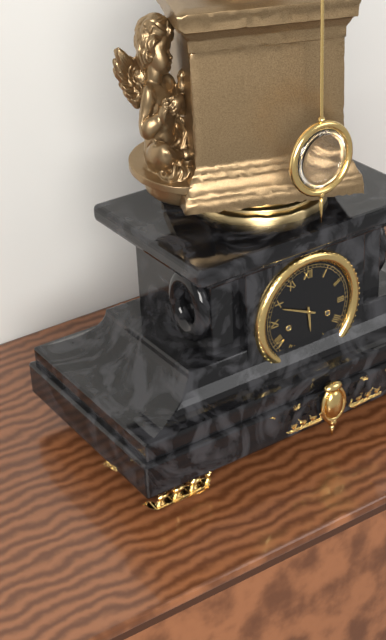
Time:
5h49
